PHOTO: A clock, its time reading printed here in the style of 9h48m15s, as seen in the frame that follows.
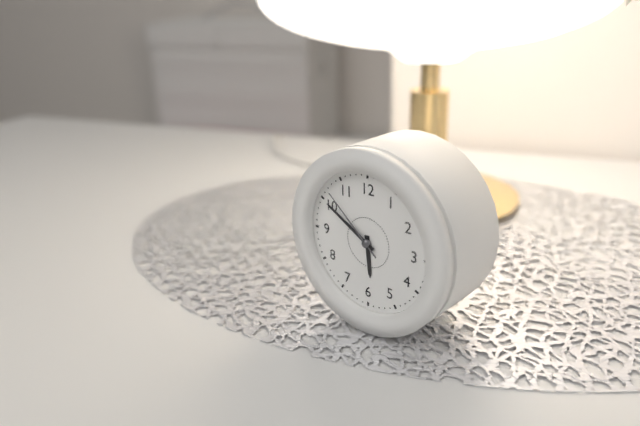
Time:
5h50m52s
